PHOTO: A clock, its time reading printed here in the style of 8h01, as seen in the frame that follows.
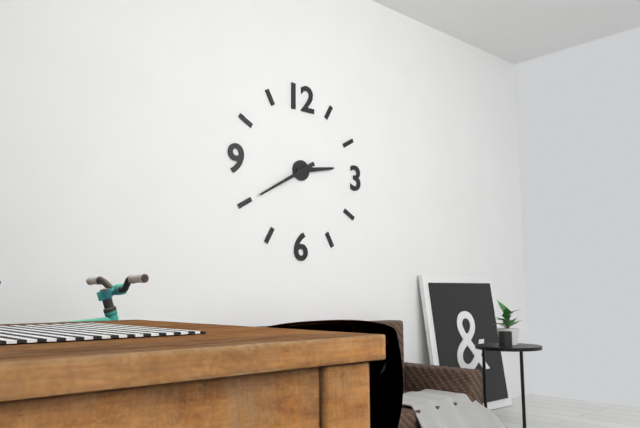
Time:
2h40
